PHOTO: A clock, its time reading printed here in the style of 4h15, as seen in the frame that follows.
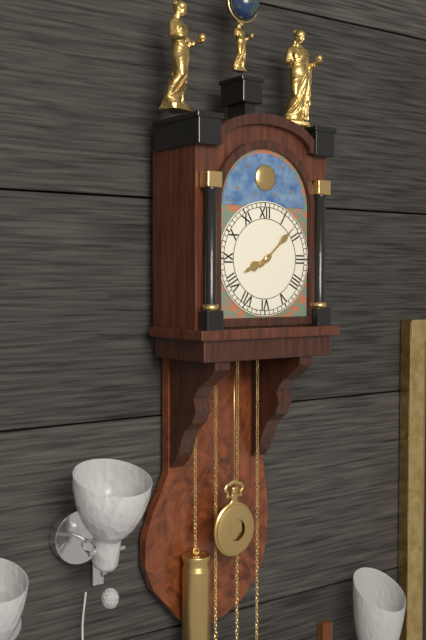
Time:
8h08
